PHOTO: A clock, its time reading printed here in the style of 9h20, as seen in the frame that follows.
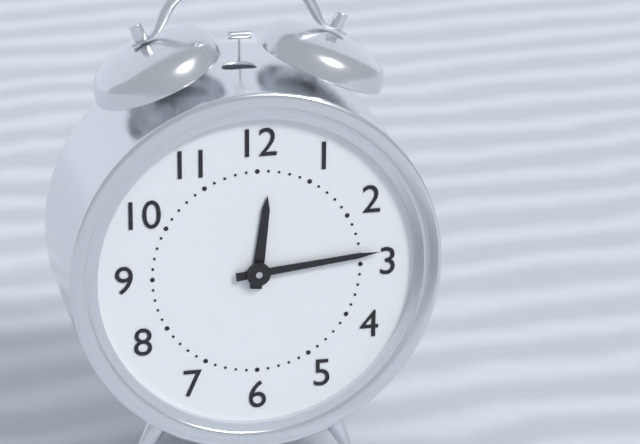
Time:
12h14
